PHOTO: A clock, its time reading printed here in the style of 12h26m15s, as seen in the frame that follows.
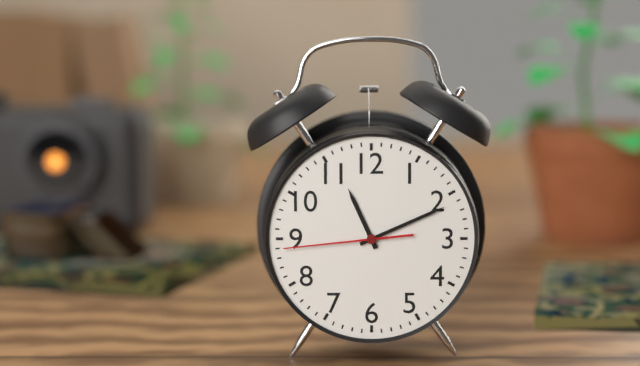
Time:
11h11m44s
